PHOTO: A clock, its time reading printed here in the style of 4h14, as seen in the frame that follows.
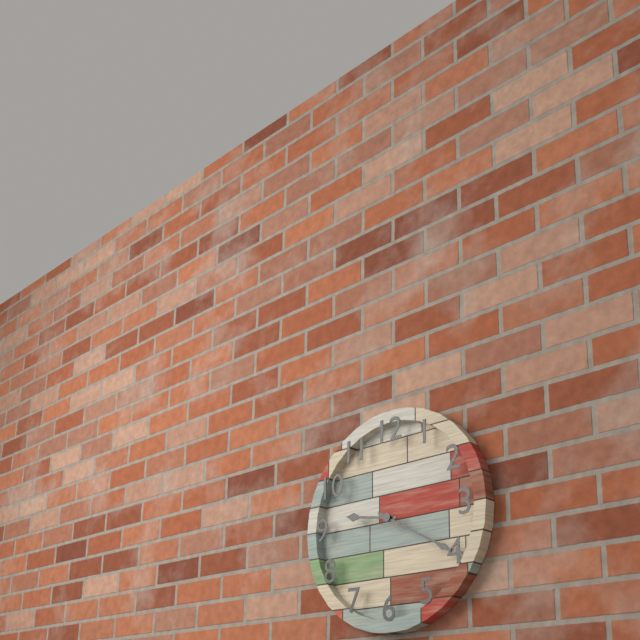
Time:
9h20
